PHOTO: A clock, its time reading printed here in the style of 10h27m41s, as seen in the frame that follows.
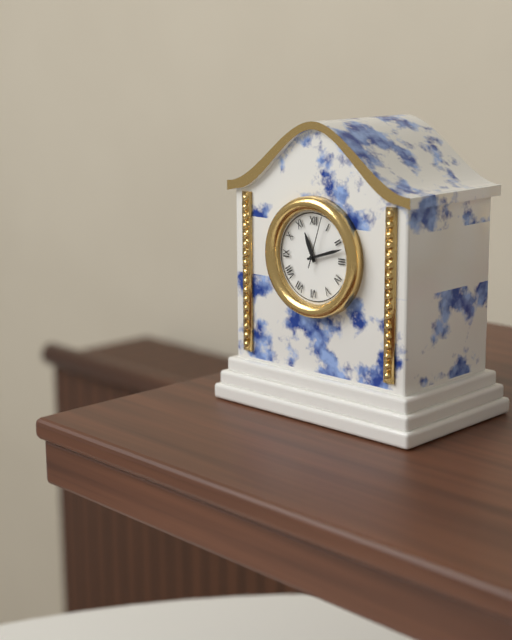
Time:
11h12m03s
